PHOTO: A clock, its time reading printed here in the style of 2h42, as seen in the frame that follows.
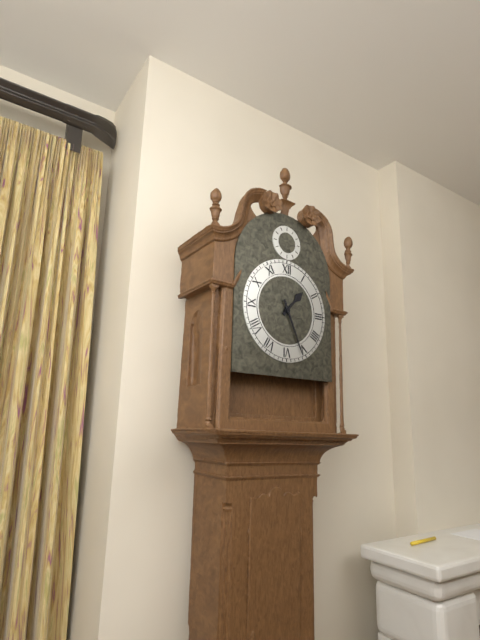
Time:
1h26
